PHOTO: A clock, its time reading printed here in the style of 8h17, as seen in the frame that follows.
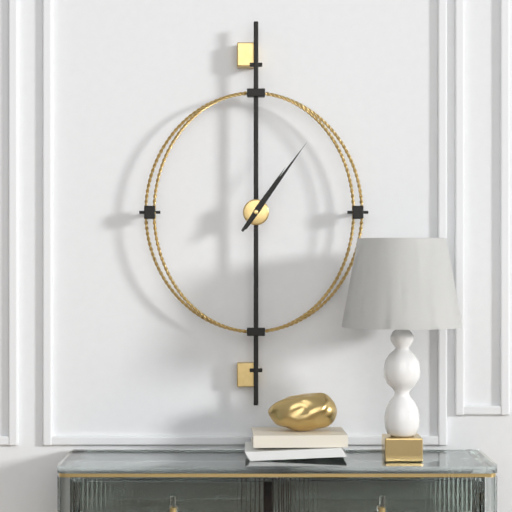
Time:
1h06
